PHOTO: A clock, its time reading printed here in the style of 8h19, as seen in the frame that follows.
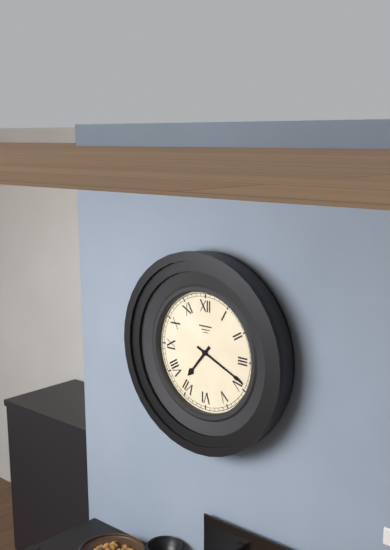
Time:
7h19
